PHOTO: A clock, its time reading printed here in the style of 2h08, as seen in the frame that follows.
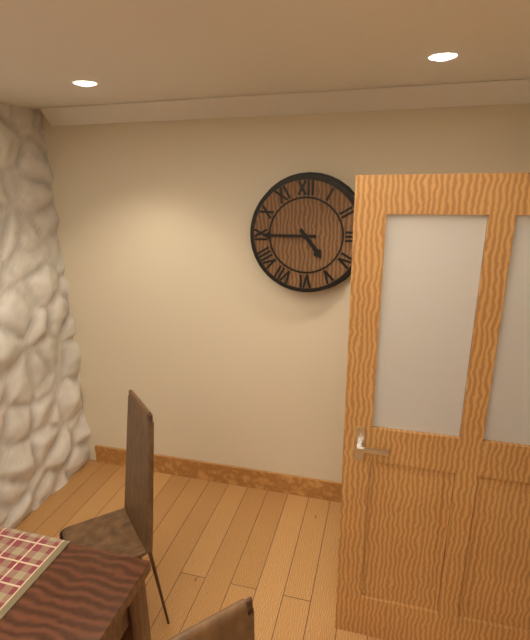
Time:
4h45
